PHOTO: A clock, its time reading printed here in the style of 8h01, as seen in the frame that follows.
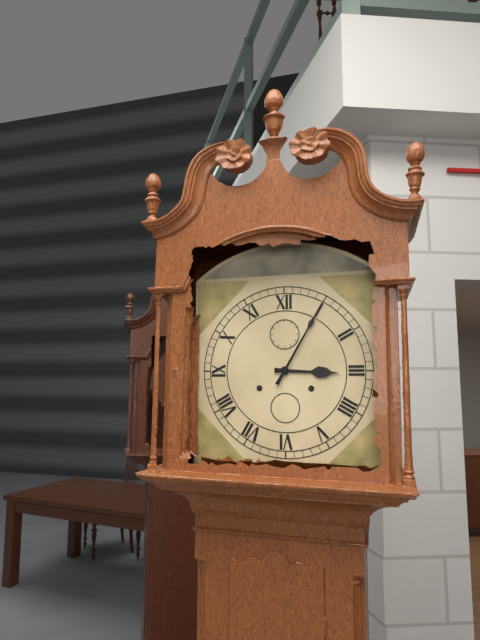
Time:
3h05
